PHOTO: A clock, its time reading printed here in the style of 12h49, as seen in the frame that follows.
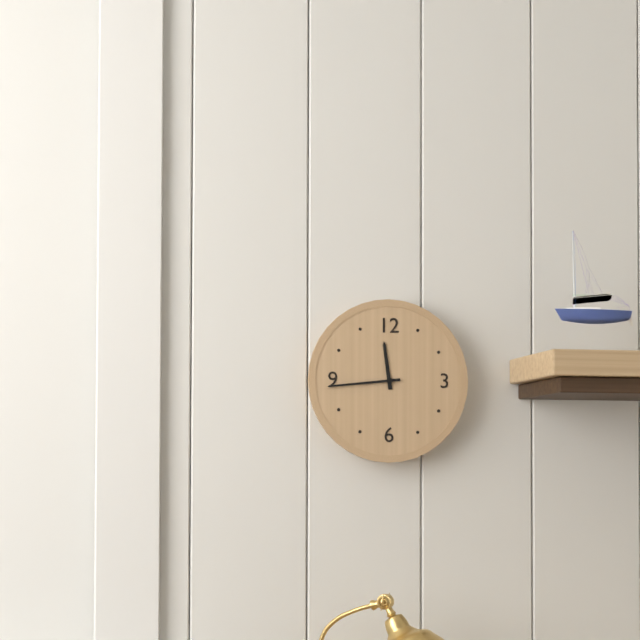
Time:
11h44
